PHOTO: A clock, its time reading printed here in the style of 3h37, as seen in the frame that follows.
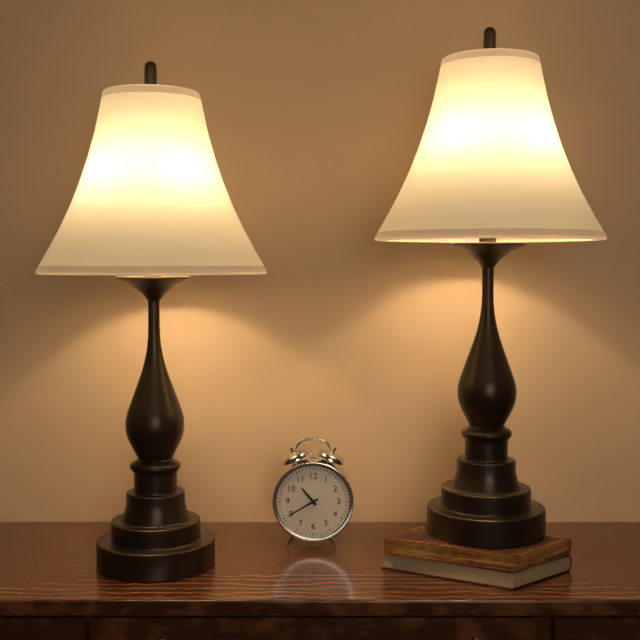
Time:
10h40
